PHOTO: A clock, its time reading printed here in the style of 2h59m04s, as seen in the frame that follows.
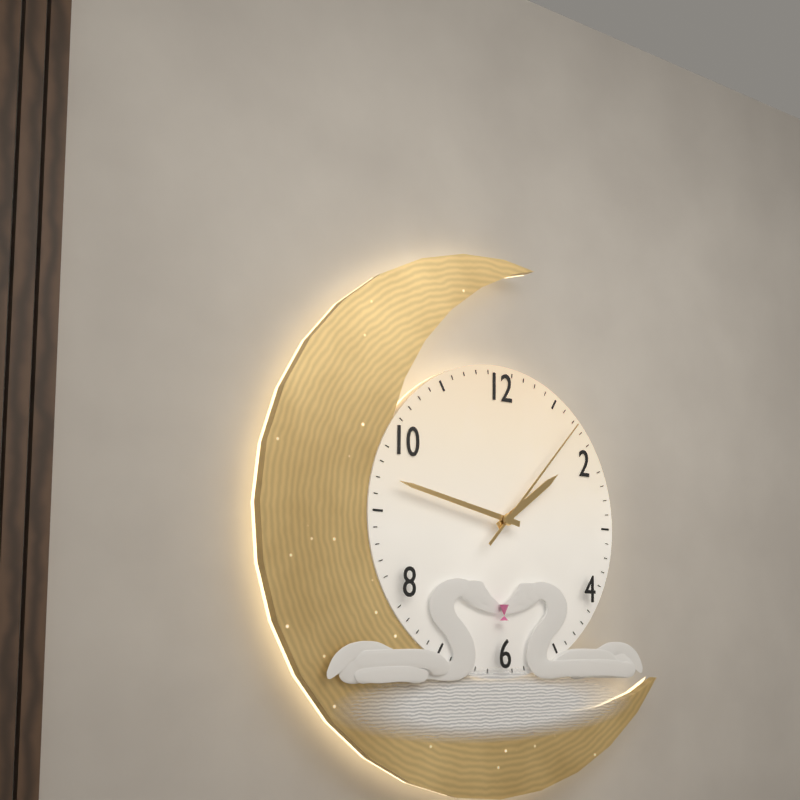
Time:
1h47m07s
